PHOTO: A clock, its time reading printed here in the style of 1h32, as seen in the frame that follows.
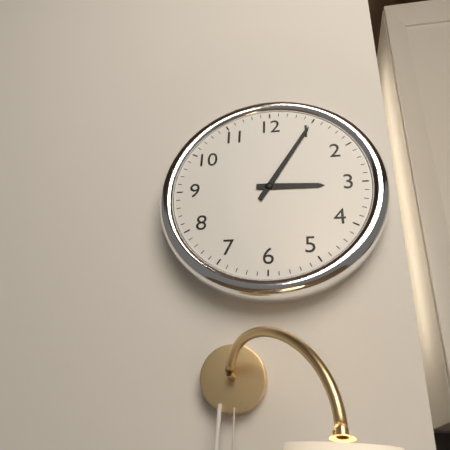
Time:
3h05
